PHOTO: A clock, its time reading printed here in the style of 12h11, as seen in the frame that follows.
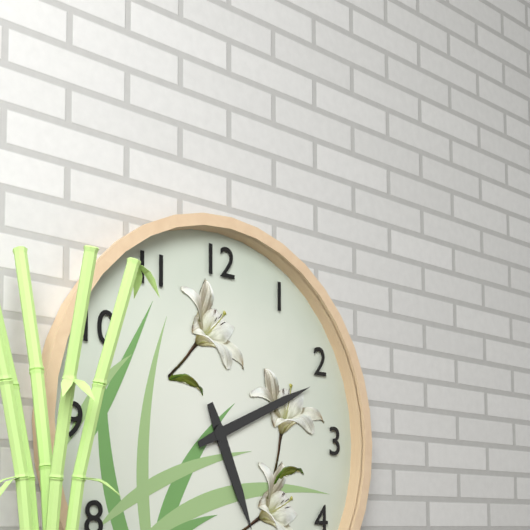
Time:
5h11
